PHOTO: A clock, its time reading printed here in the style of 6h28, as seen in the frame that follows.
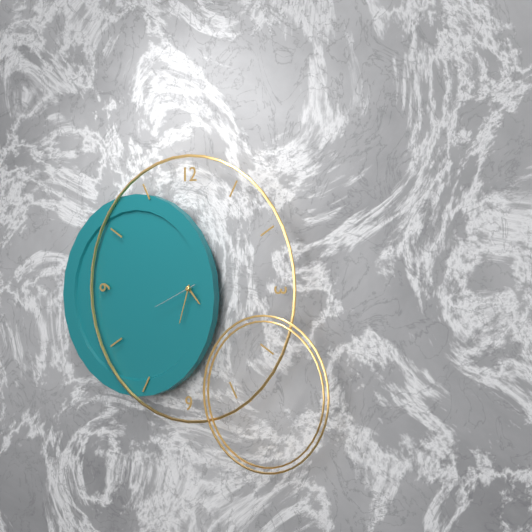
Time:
4h33
